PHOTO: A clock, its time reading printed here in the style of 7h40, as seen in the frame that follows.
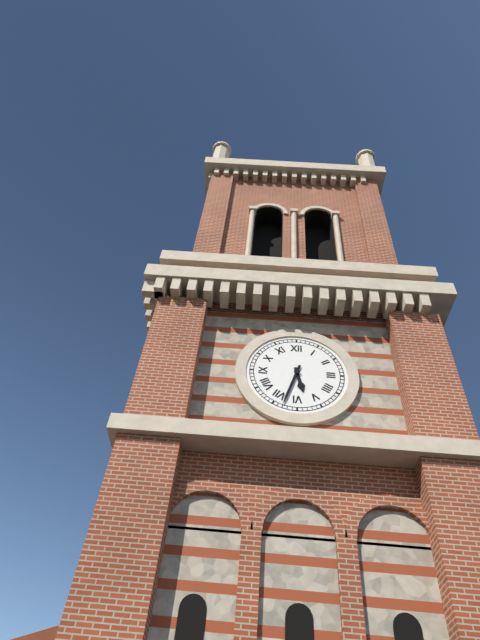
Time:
5h33
